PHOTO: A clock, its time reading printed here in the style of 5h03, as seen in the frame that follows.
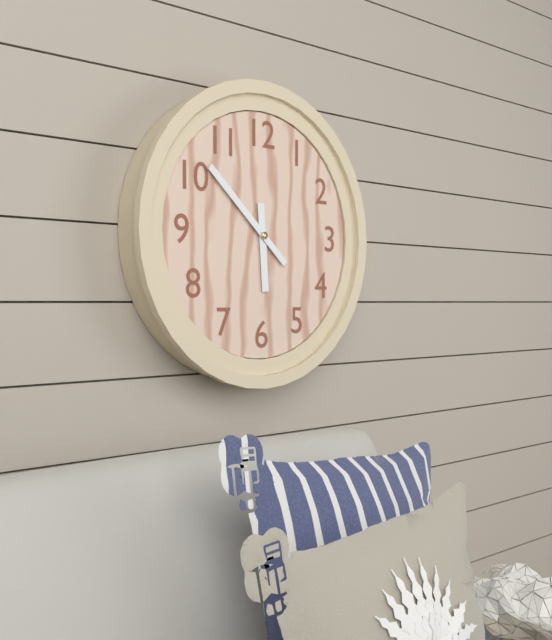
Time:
5h52
